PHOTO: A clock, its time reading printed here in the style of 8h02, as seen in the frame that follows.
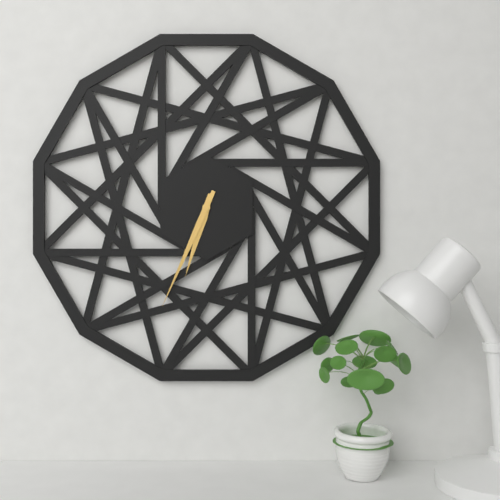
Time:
6h34
